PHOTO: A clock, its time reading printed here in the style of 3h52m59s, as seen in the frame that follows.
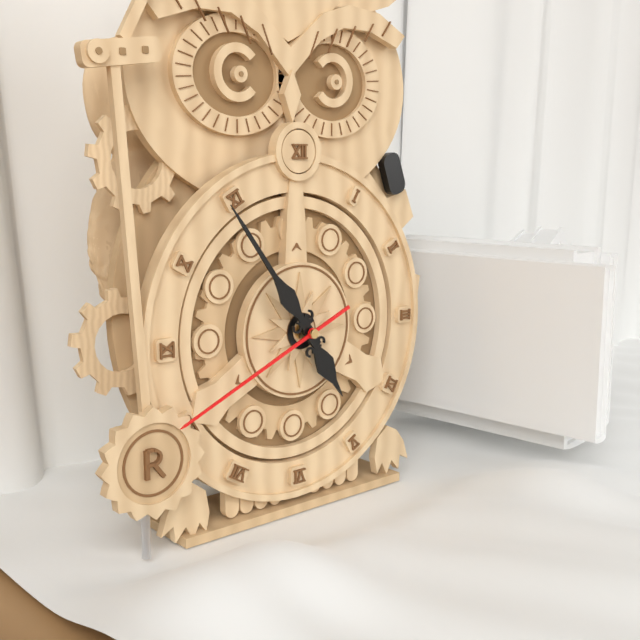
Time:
4h54m41s
